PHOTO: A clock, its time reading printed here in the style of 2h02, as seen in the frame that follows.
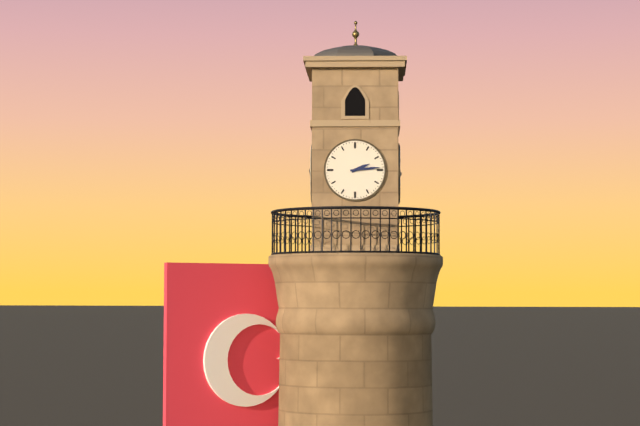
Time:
2h14
